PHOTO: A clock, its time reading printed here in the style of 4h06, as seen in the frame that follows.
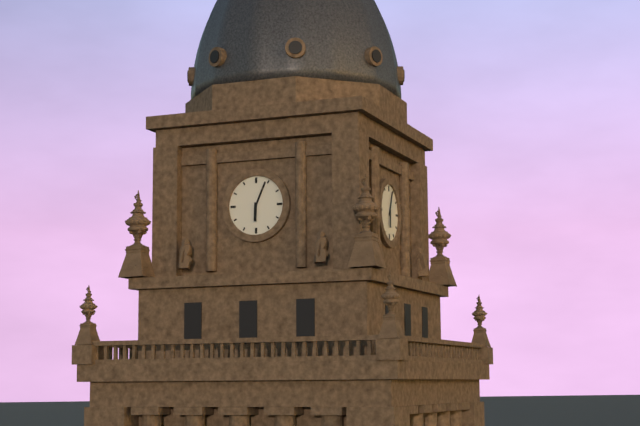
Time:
6h04
